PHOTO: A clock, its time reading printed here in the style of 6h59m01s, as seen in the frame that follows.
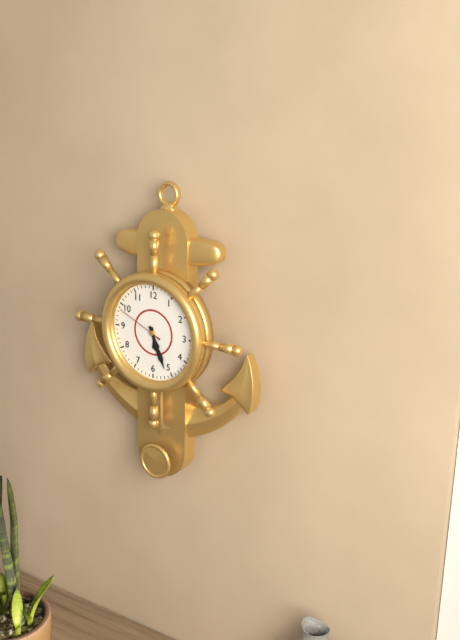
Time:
5h26m49s
